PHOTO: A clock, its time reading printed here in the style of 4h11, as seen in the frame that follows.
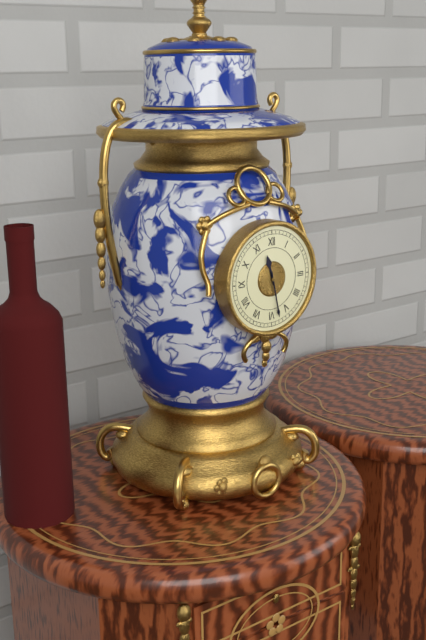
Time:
11h28
